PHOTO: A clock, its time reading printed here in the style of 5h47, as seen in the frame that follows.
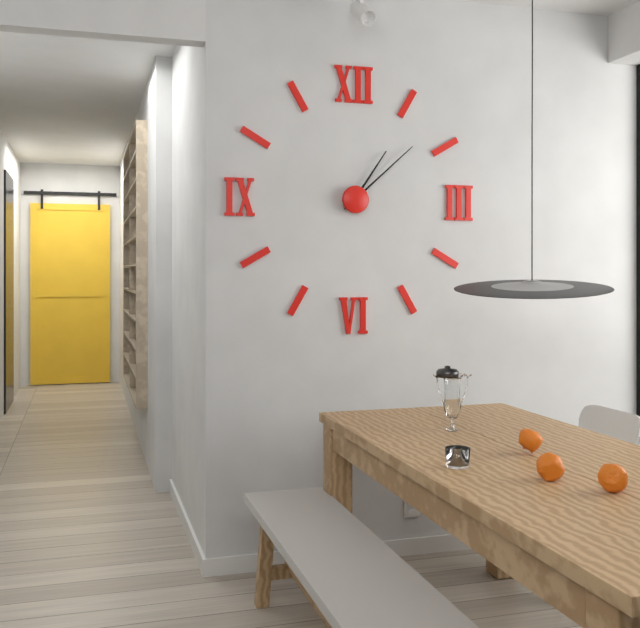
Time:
1h08
